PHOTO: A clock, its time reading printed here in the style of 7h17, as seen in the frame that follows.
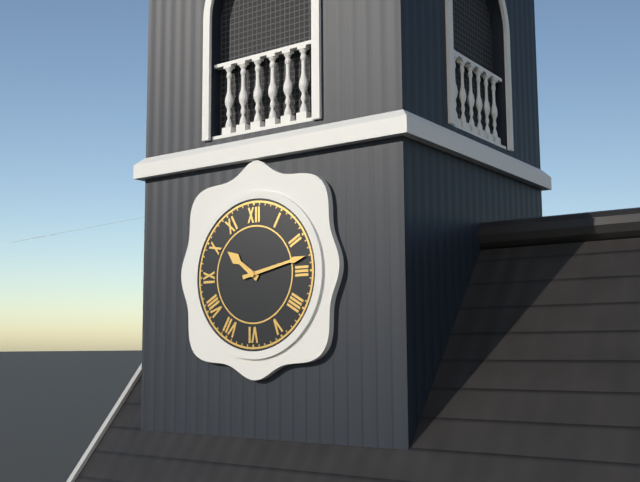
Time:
10h13
